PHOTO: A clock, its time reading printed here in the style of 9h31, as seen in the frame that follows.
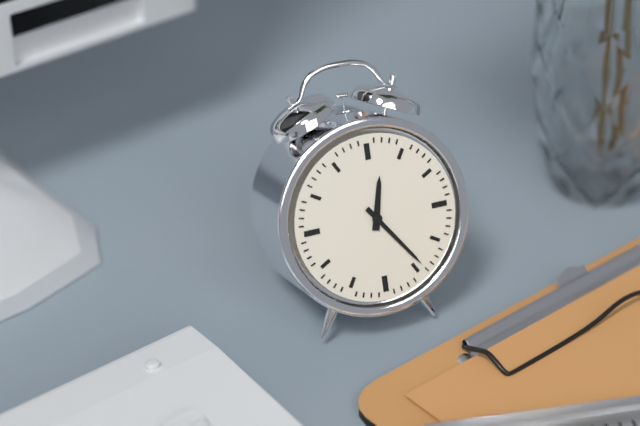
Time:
12h24
